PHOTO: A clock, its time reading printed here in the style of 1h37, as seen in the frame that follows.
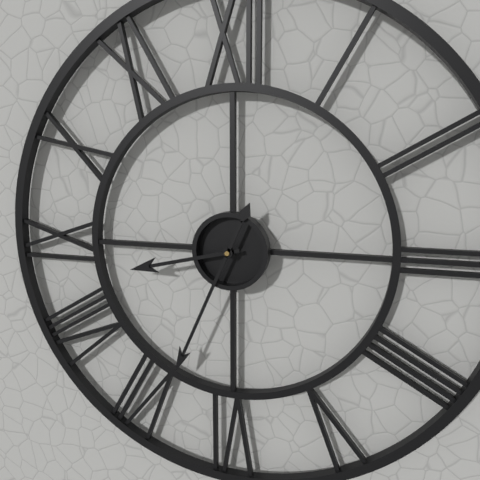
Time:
8h34
